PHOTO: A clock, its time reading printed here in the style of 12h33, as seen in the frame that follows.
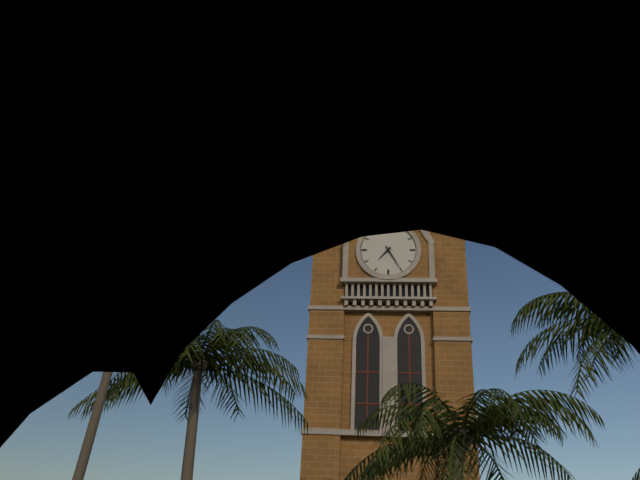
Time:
7h25
